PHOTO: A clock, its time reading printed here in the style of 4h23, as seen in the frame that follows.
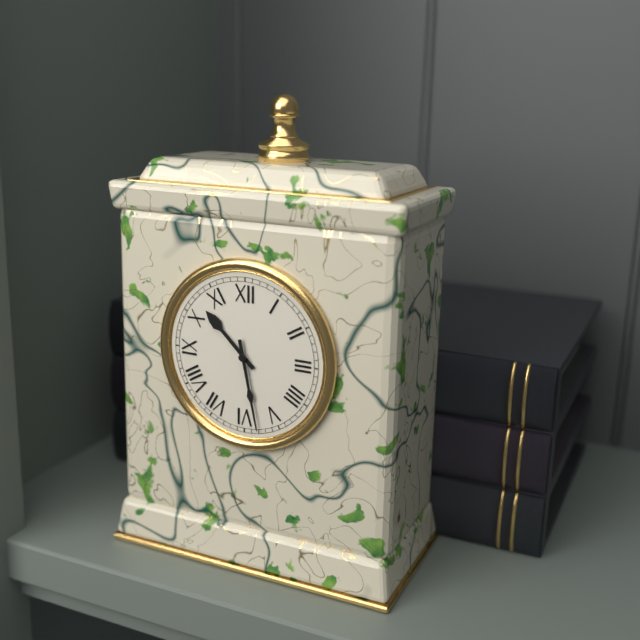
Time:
10h28
